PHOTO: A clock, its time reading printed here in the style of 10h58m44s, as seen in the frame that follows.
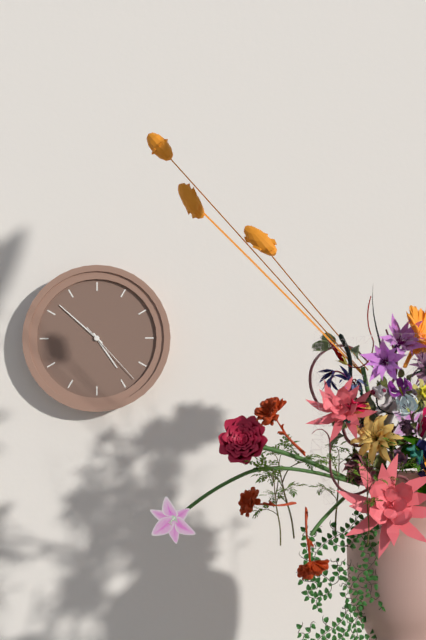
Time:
4h52m23s
